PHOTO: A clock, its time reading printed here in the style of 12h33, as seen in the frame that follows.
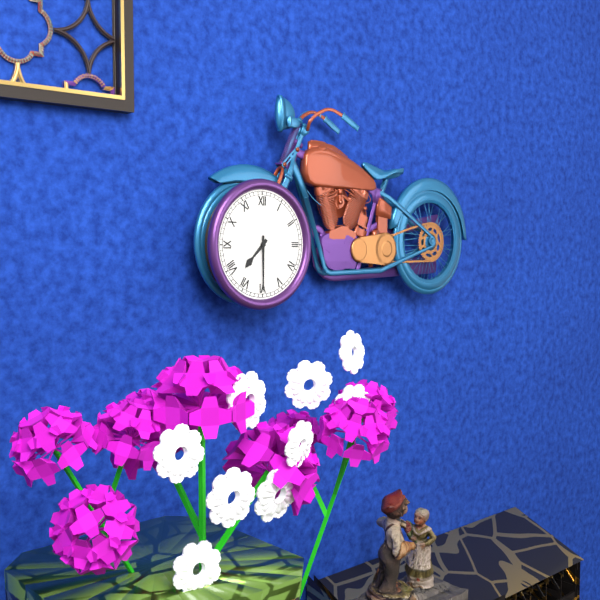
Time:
7h30
